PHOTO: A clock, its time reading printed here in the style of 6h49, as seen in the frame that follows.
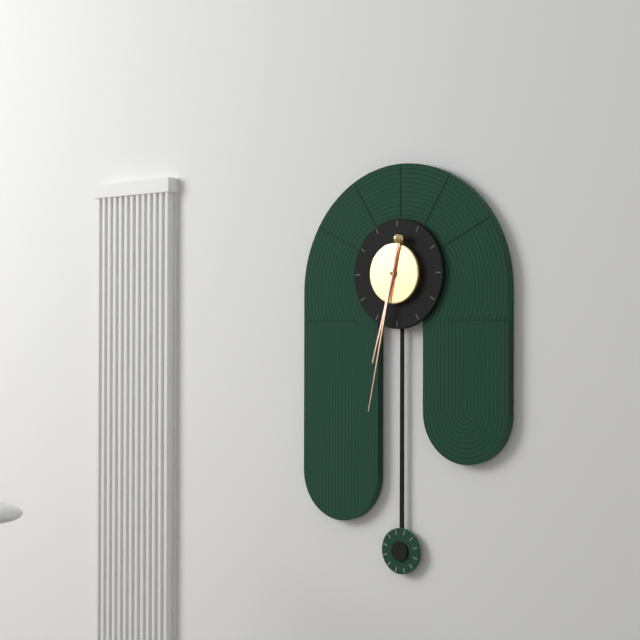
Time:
6h32
